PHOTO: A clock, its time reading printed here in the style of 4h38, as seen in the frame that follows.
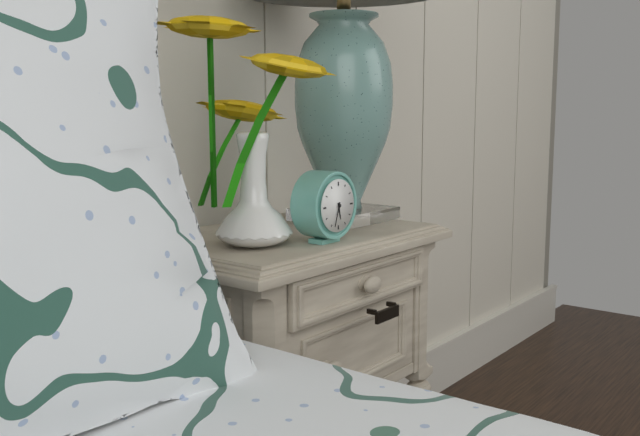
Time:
5h33
